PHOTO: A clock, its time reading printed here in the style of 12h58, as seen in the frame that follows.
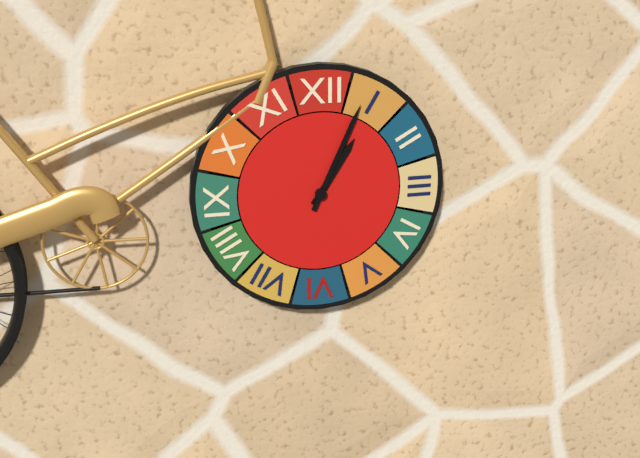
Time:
1h04
